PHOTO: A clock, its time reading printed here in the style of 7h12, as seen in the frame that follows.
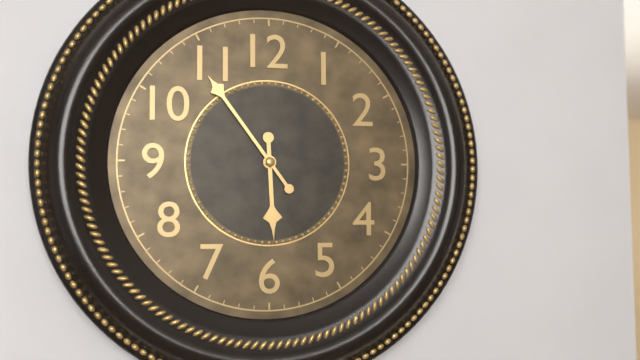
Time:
5h54
